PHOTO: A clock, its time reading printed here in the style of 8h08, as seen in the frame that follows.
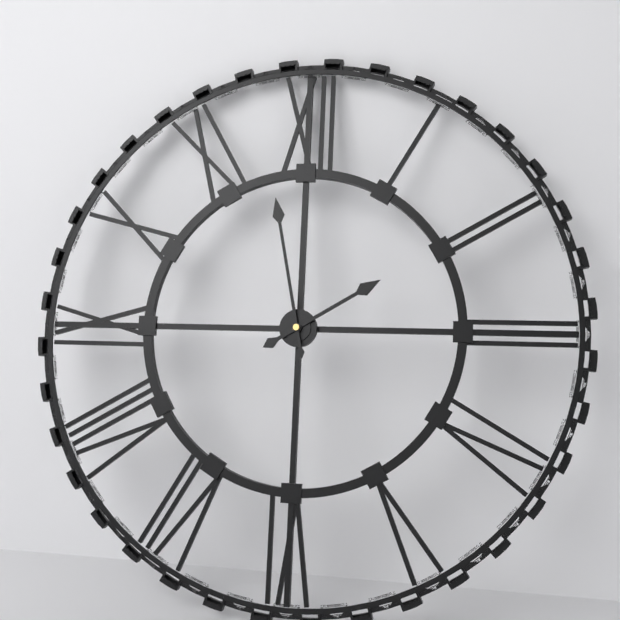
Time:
1h58
